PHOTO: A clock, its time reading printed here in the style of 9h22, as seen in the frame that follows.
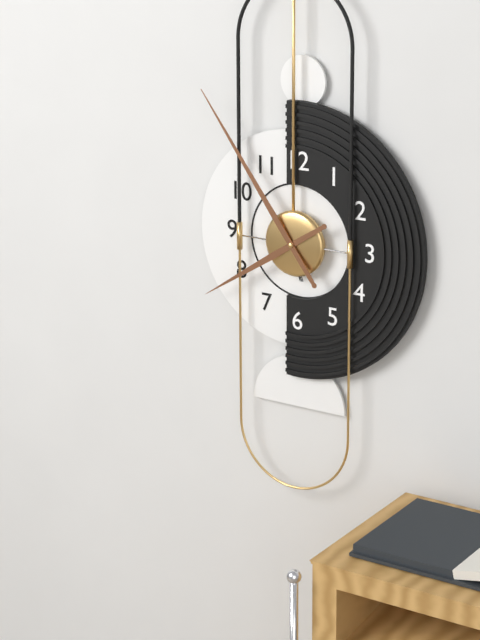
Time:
7h54
